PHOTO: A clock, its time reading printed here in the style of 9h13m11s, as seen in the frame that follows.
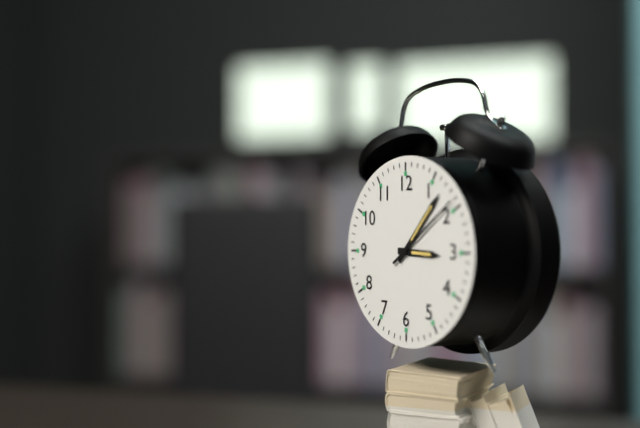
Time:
3h07m09s
